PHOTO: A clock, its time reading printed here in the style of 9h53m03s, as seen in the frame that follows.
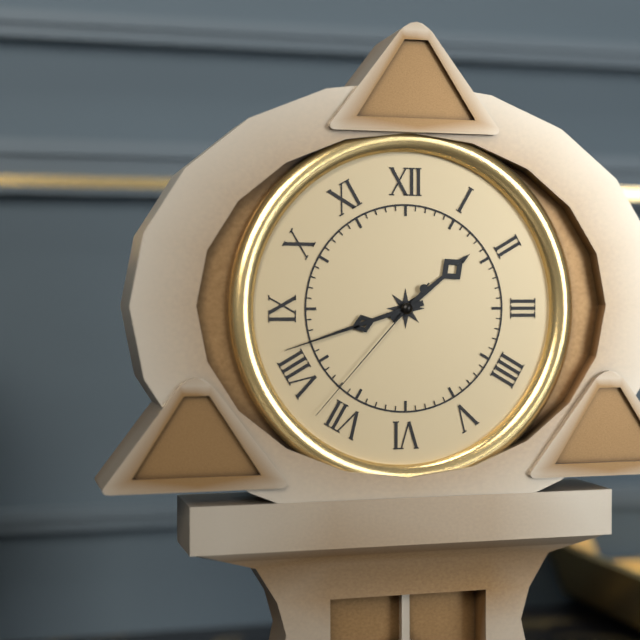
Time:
1h42m37s
